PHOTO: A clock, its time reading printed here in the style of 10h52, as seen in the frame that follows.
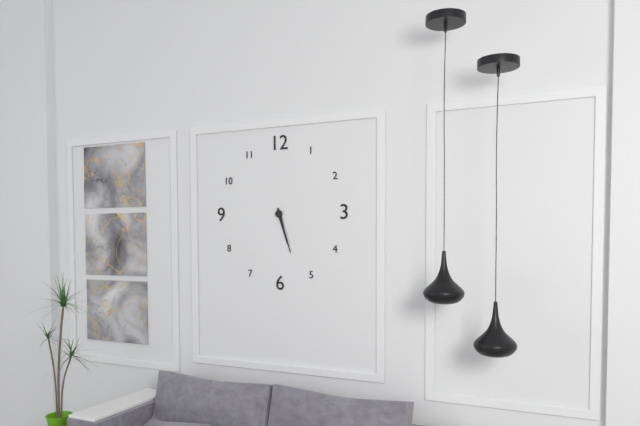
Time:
5h27
